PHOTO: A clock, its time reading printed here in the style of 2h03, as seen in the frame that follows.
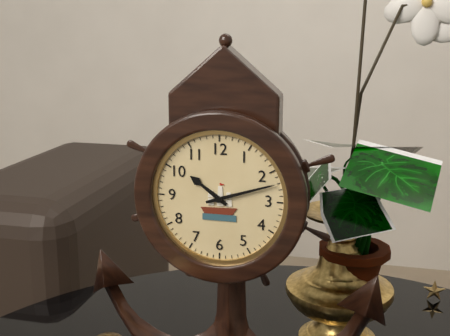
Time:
10h12
